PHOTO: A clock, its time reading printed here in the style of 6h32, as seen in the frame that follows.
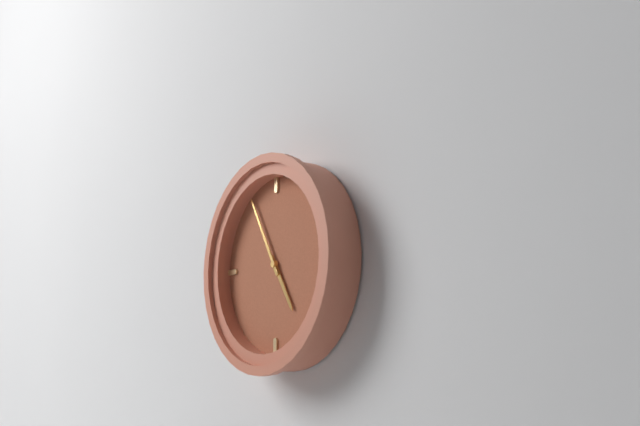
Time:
4h55
